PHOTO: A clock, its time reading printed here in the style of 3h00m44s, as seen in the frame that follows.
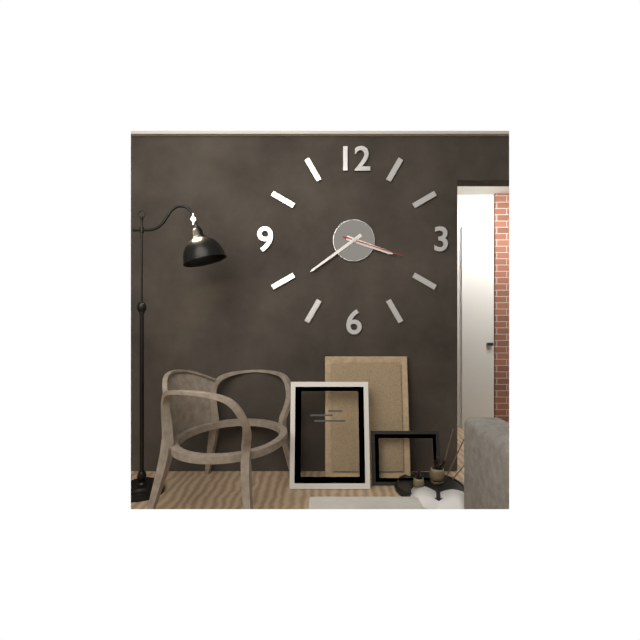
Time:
3h39m18s
